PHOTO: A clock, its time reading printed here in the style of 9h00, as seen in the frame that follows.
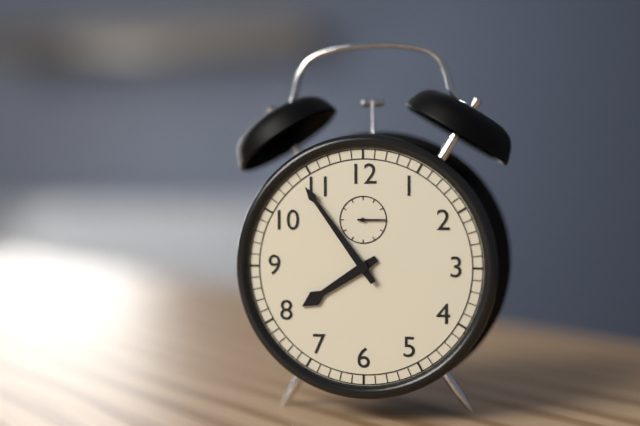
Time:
7h54
